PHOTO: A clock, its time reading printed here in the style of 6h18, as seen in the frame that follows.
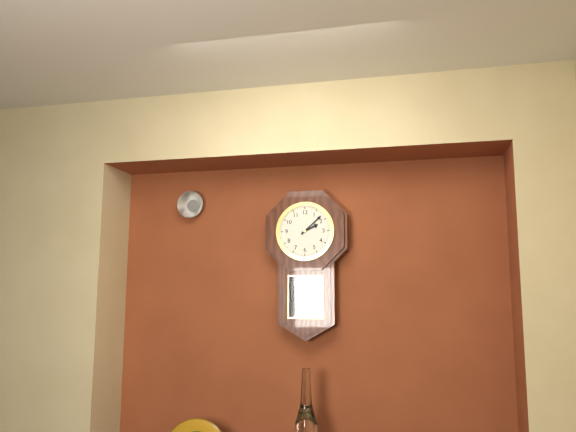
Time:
2h08
